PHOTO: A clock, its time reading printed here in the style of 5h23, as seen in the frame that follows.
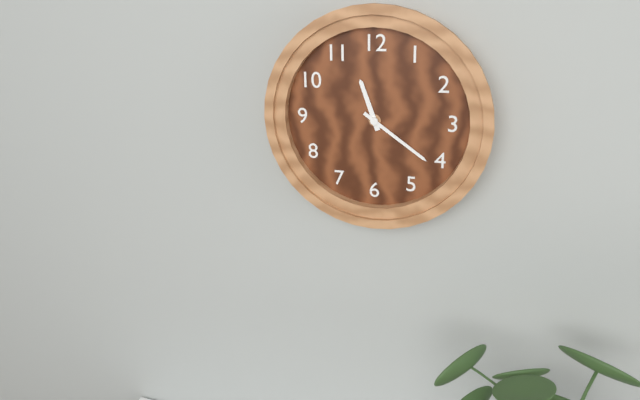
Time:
11h21
